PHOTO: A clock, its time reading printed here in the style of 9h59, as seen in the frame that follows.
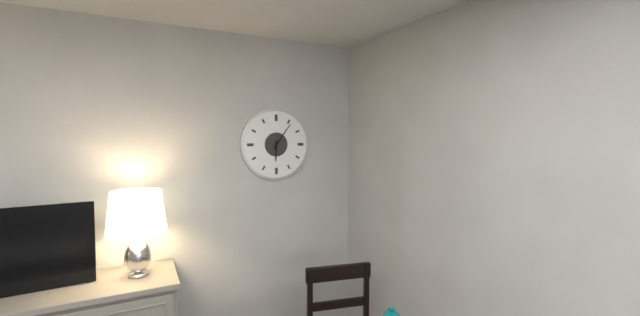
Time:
6h06
